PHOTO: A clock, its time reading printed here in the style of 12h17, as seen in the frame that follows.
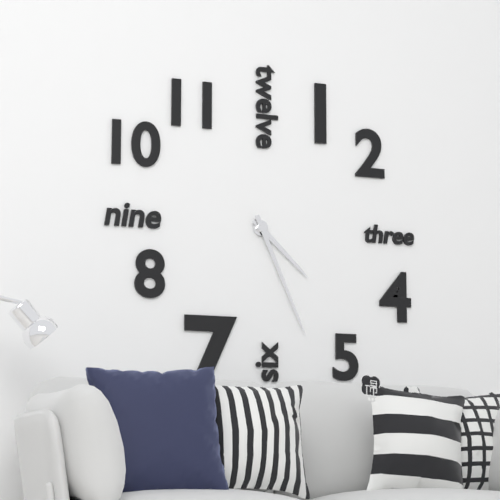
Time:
4h26
